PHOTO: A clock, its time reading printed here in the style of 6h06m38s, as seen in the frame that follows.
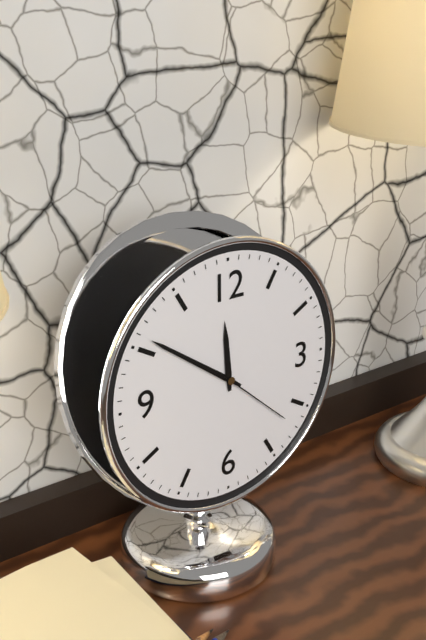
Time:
11h51m22s
